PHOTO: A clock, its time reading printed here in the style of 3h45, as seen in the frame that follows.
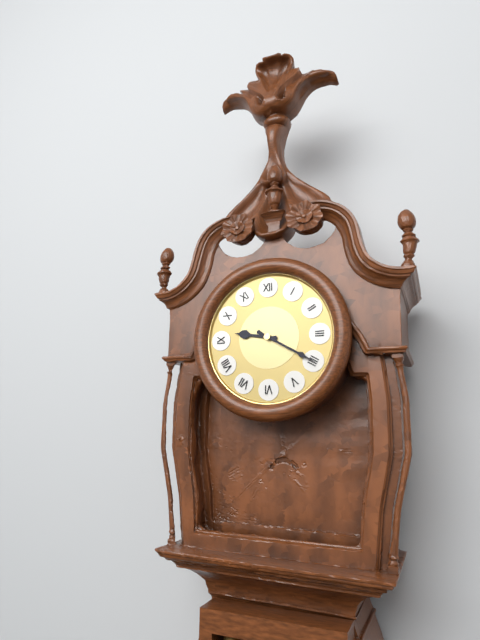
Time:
9h20
